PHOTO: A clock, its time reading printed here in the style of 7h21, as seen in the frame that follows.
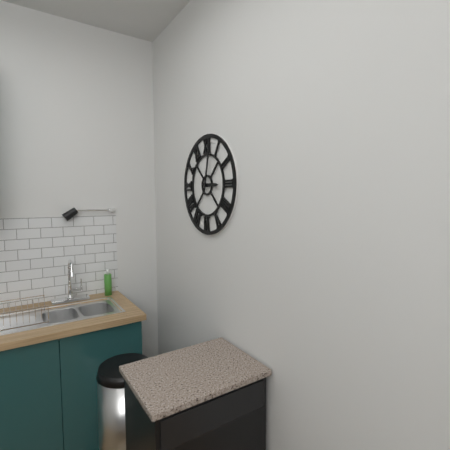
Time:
3h02
